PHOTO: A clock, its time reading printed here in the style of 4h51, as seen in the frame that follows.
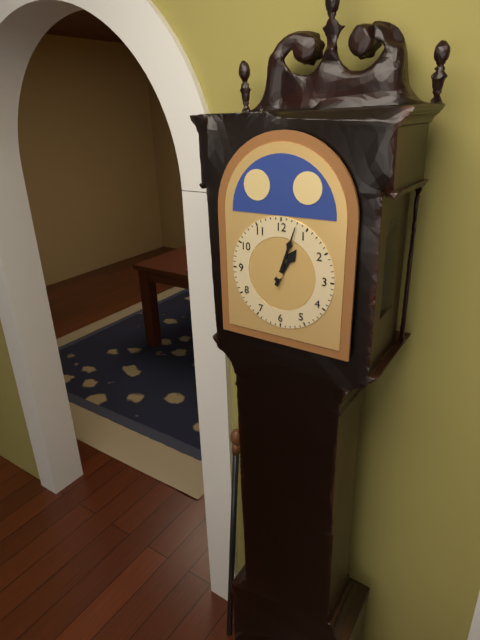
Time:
1h03
